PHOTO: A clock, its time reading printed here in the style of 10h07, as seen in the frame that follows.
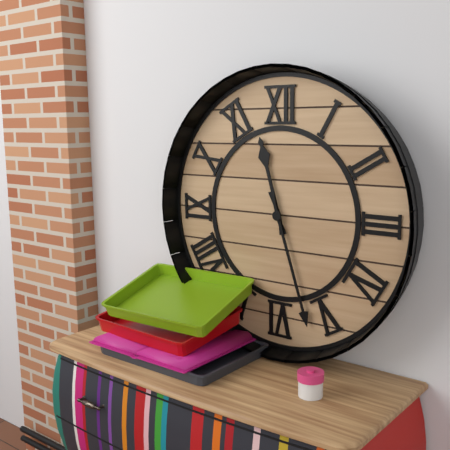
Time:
11h27
